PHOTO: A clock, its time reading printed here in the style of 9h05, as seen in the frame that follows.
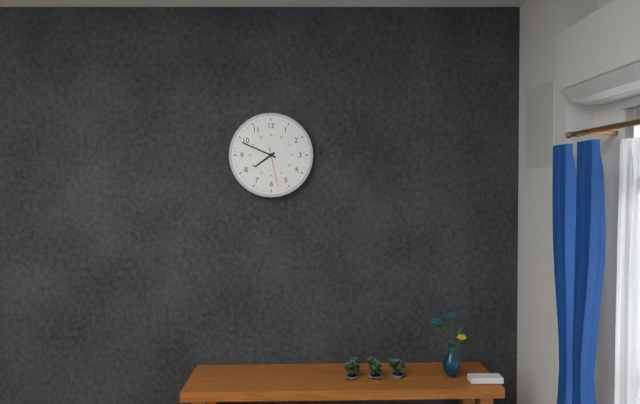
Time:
7h49
